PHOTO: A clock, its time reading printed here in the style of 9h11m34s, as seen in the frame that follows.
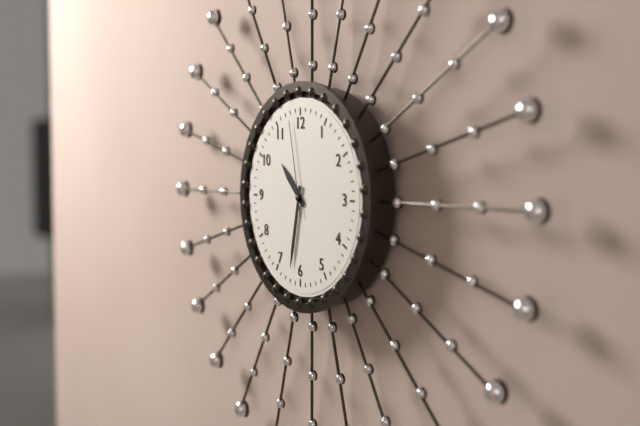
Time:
10h32m58s
